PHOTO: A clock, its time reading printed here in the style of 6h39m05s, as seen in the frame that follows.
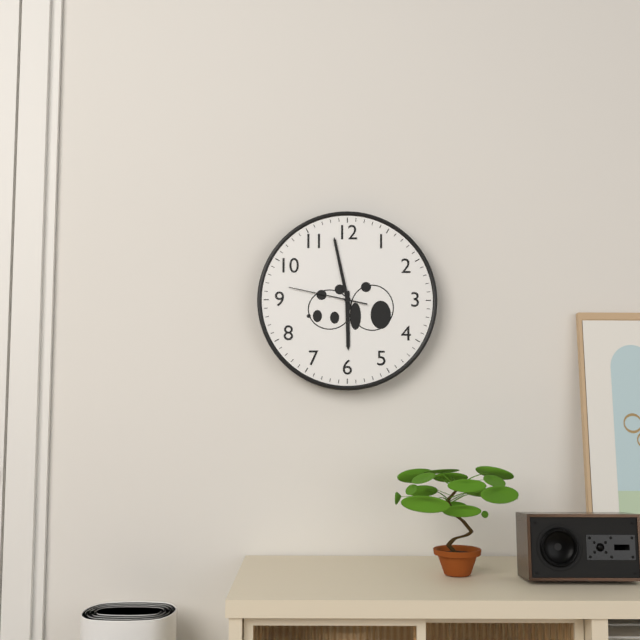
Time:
5h58m47s
